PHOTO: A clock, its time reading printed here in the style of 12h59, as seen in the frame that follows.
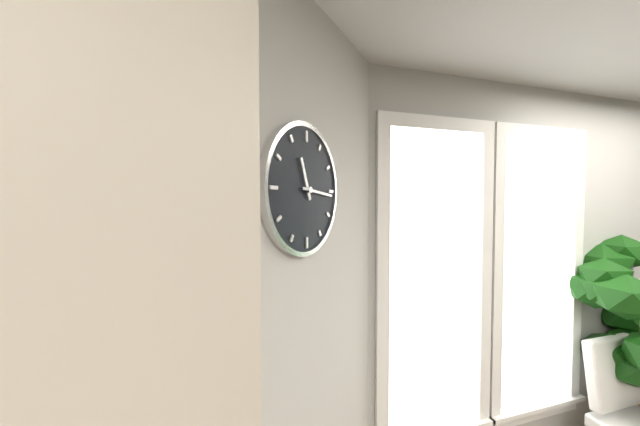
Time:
11h16
